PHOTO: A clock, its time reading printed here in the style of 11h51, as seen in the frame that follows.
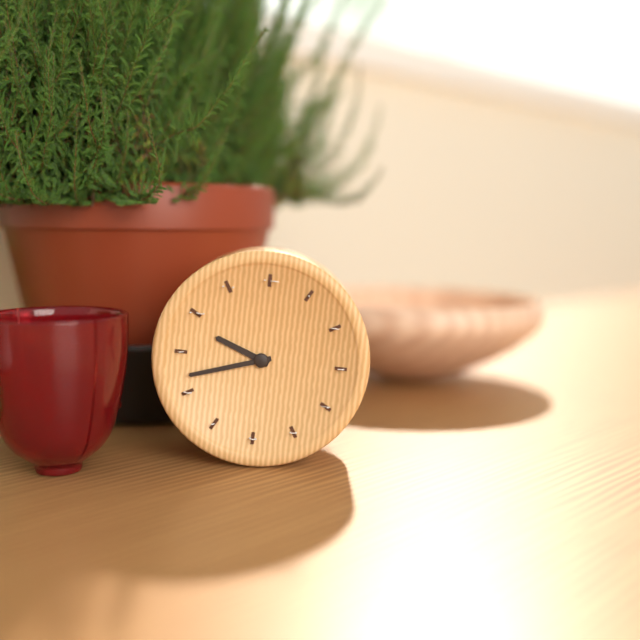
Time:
9h42
